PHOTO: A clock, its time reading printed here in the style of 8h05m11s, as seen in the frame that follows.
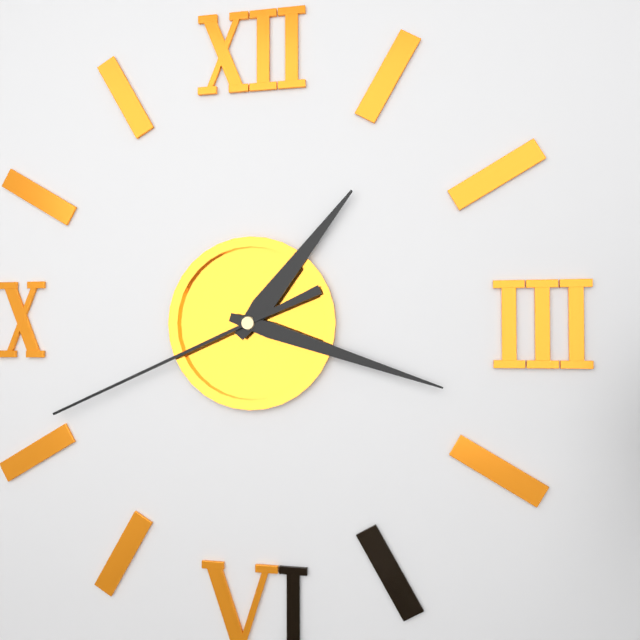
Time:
1h18m41s
